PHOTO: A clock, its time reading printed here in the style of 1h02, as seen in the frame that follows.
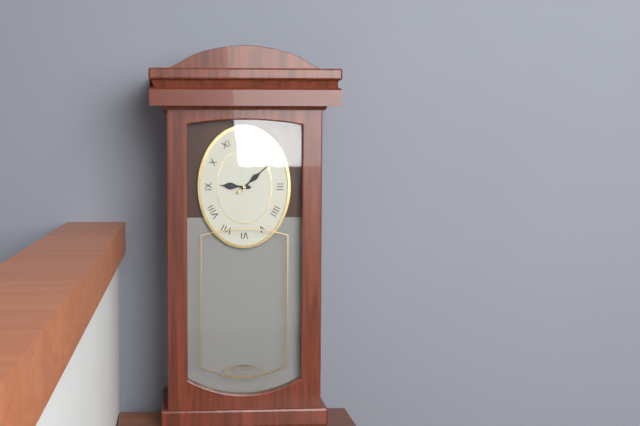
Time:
9h08
